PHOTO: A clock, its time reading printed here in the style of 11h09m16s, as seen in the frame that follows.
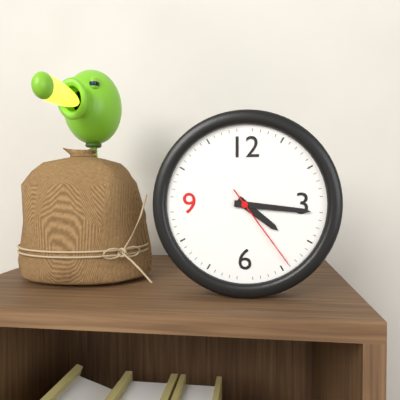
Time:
4h16m24s
